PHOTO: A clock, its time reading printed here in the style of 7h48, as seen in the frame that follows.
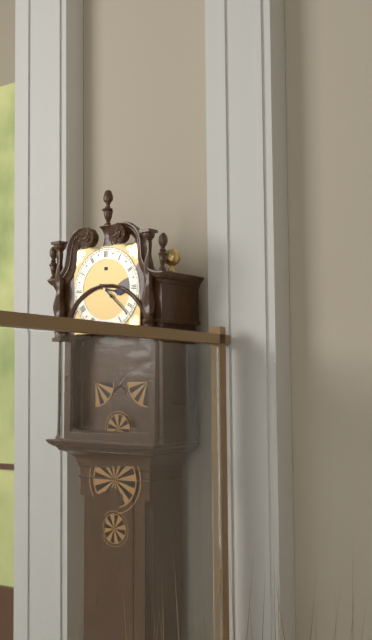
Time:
3h22
